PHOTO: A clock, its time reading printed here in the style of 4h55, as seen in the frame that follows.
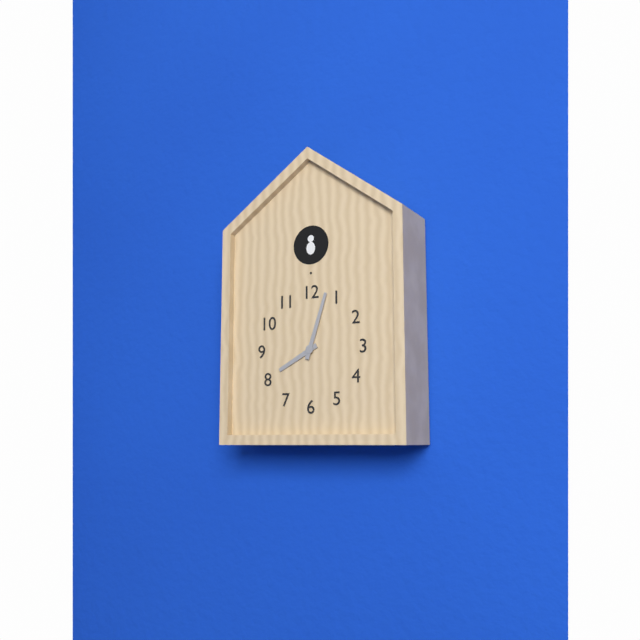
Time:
8h03
